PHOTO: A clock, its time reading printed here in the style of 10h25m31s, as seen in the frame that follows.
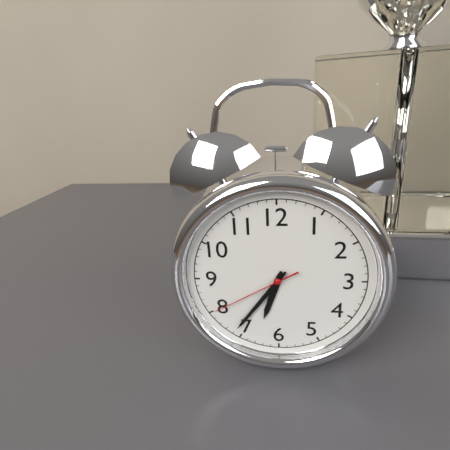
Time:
6h36m40s
